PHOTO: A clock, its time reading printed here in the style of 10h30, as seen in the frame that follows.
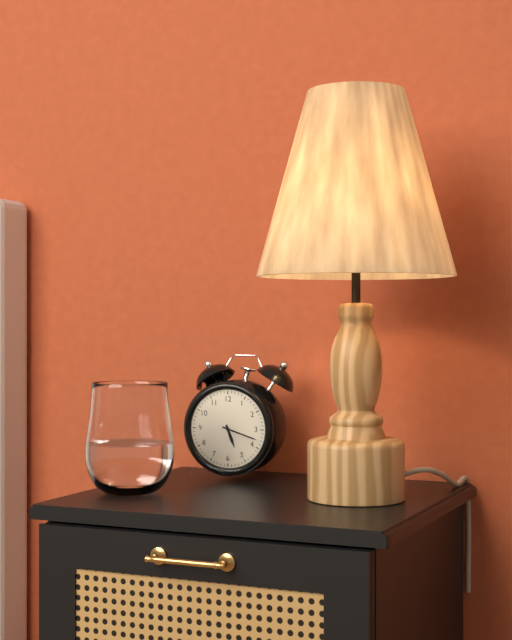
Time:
5h18
